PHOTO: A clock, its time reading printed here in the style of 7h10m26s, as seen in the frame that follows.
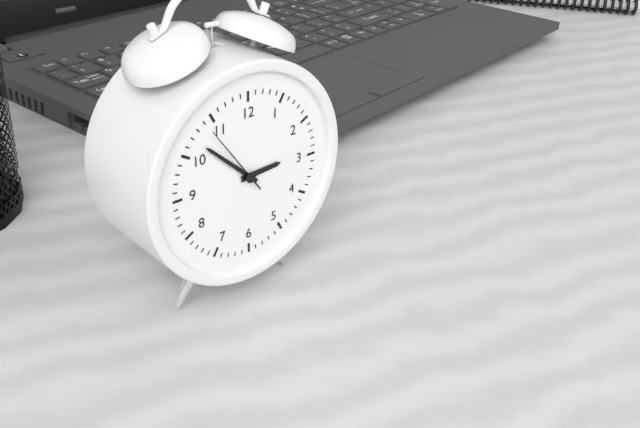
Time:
2h52m54s
